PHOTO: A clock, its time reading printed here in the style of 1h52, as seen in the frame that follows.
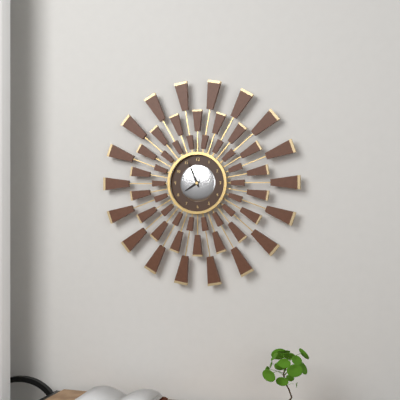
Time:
7h56
